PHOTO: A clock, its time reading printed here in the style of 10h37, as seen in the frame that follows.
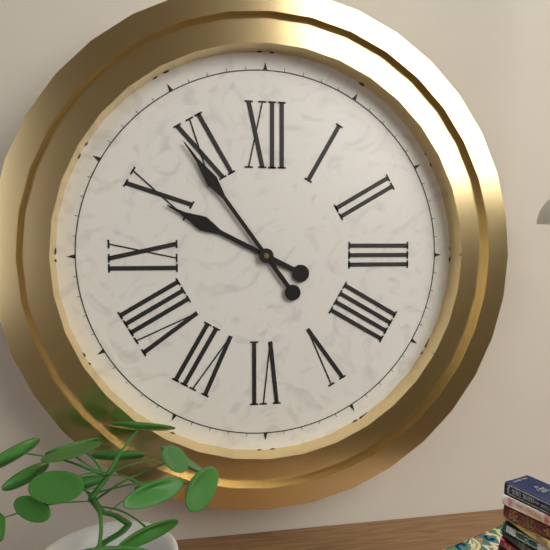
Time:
9h54
